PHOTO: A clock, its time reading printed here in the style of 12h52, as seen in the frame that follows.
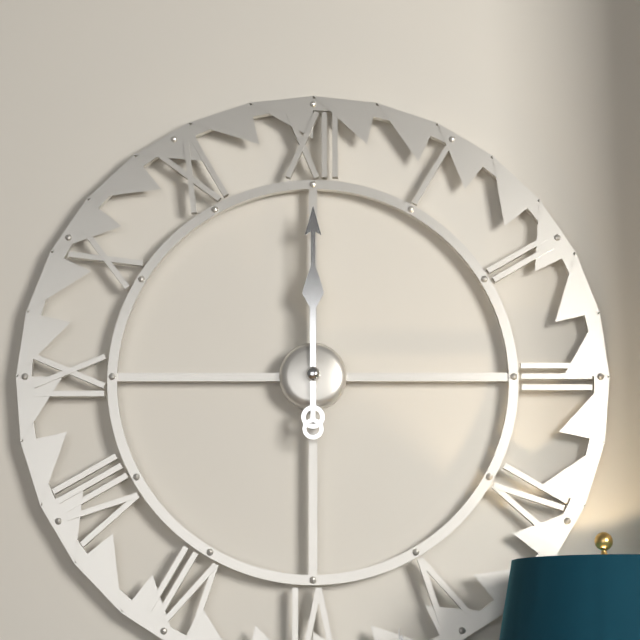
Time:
12h00
